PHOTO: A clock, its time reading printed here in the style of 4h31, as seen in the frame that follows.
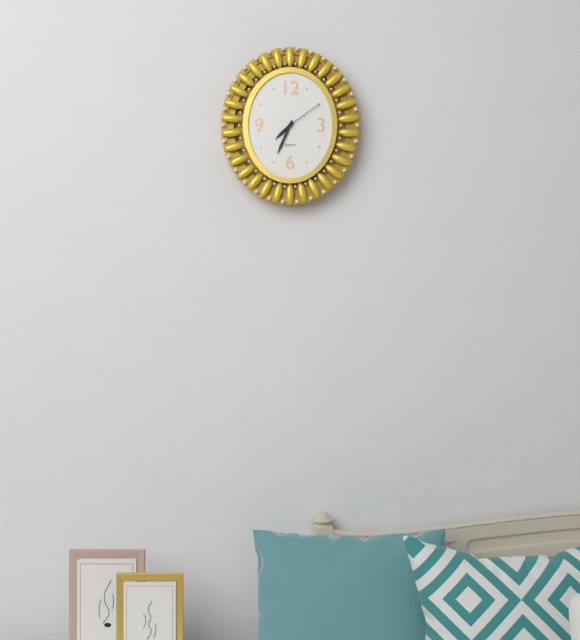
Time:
7h34
